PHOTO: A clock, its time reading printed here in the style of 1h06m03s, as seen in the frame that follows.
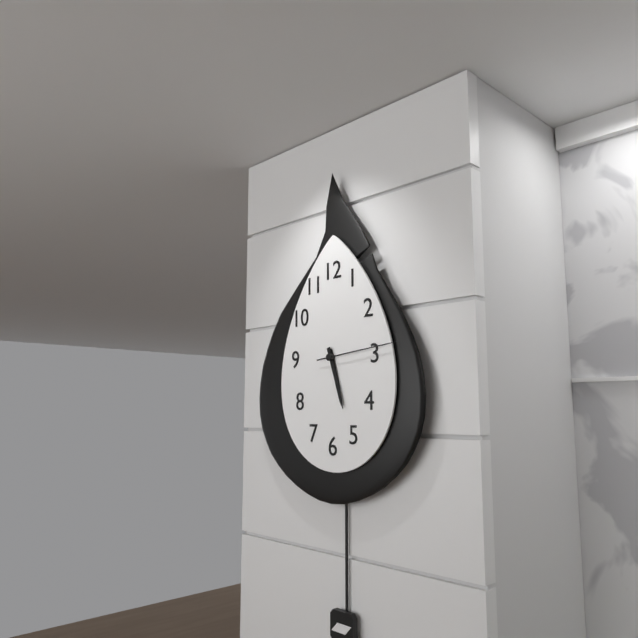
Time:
5h27m14s
